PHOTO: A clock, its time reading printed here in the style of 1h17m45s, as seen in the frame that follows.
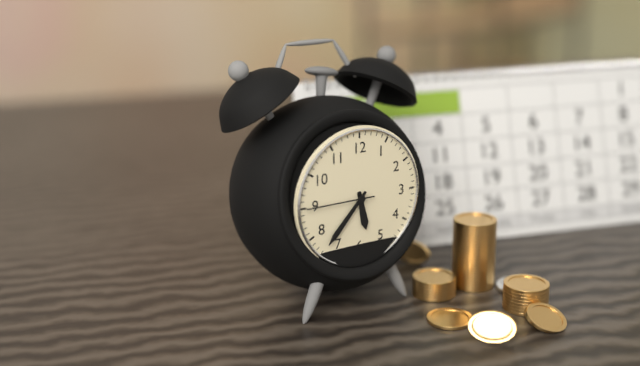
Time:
5h37m45s
